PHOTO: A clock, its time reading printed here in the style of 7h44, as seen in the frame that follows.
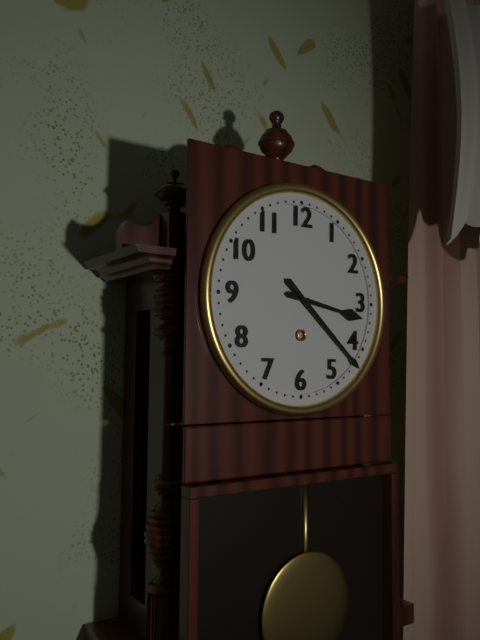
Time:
3h22
